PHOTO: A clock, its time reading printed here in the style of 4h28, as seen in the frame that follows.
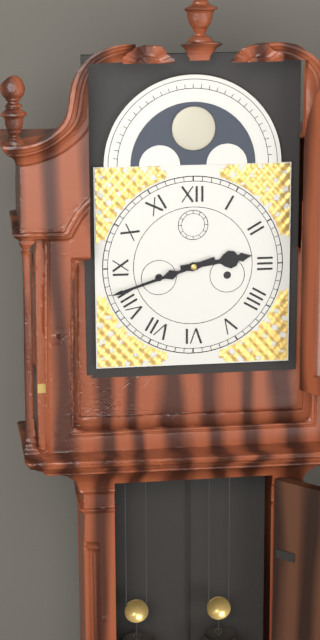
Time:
2h42
